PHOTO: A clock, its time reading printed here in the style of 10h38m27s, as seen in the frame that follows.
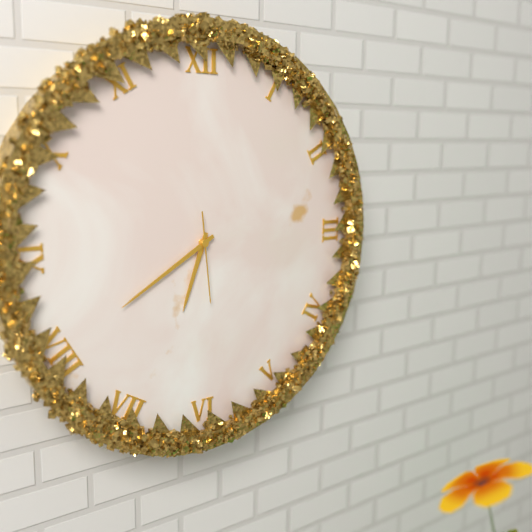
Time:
6h40m29s
